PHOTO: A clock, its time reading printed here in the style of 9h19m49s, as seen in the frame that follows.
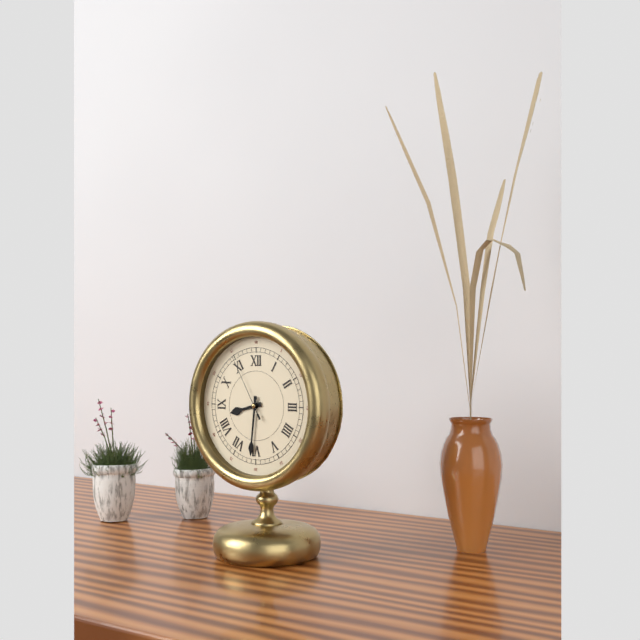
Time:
8h31m55s
